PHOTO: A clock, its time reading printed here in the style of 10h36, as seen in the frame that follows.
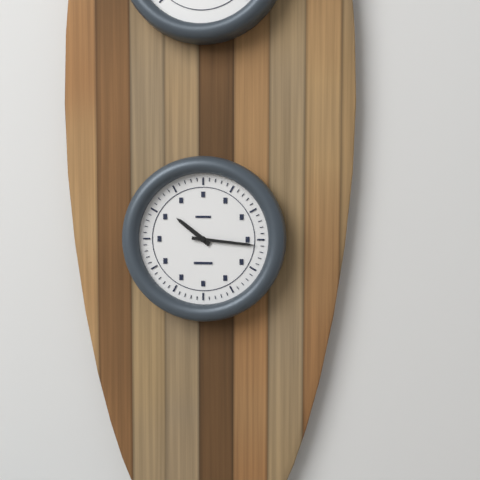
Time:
10h16
